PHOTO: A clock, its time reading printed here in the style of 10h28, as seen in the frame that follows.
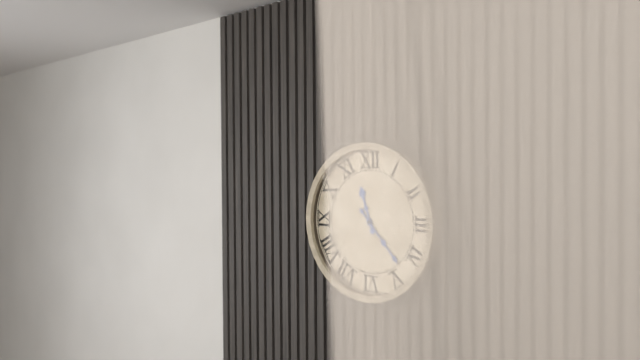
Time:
11h23
